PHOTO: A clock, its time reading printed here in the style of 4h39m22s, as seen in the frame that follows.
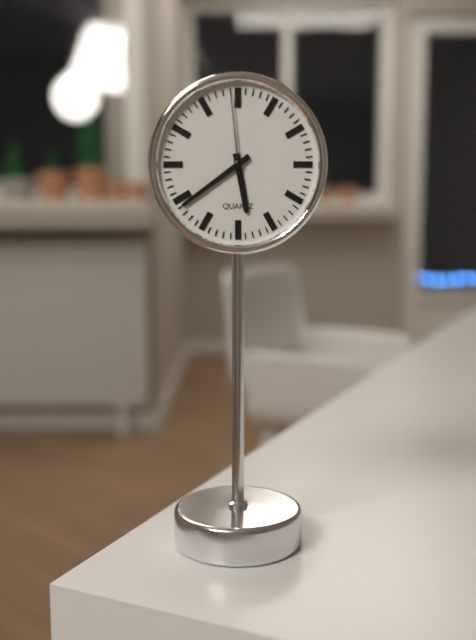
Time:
5h39m59s
